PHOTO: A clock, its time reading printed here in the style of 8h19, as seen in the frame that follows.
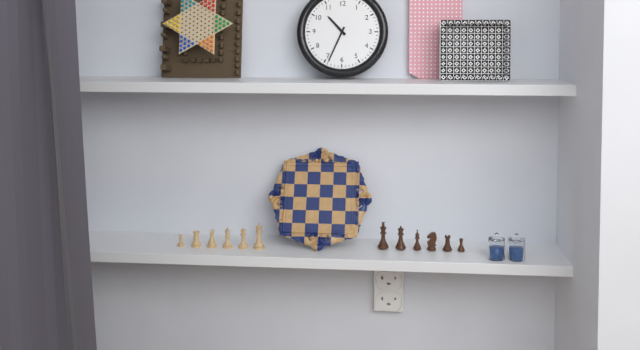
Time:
10h34
